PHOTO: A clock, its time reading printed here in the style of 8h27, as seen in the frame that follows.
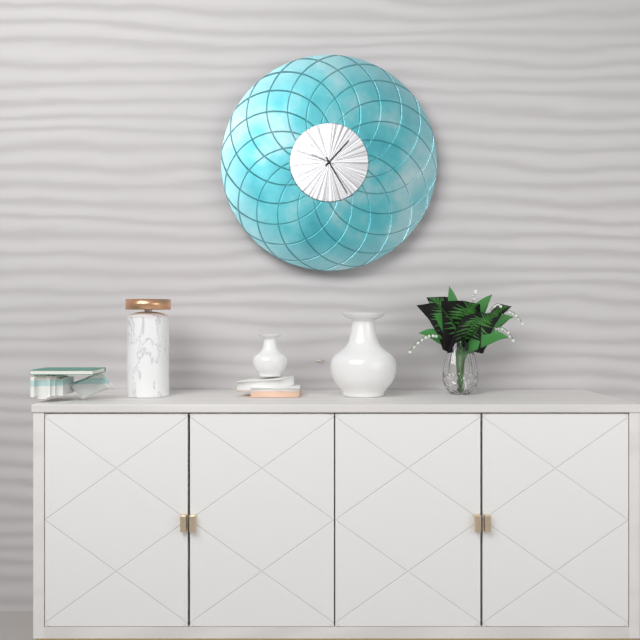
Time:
1h25
